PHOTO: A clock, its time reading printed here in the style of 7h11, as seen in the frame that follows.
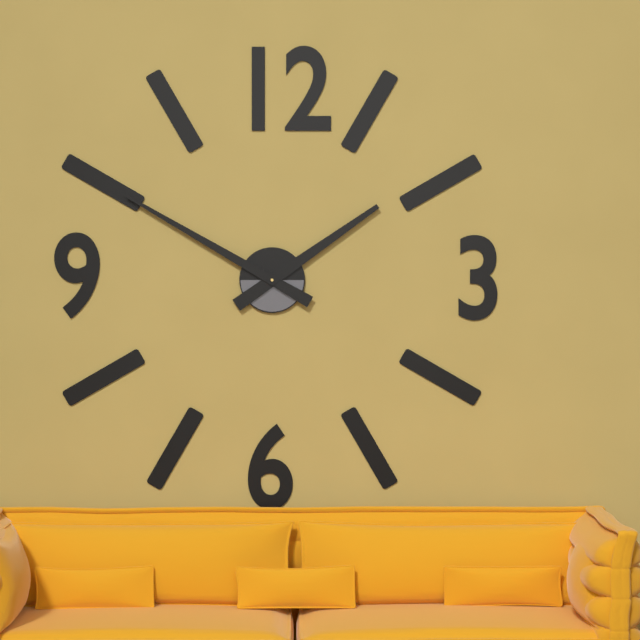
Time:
1h50
